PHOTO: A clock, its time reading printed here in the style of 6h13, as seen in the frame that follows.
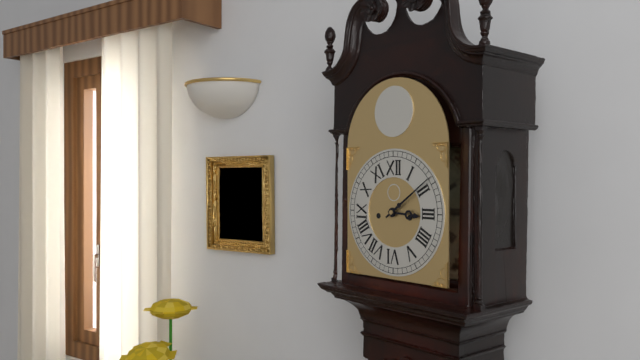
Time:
3h09
